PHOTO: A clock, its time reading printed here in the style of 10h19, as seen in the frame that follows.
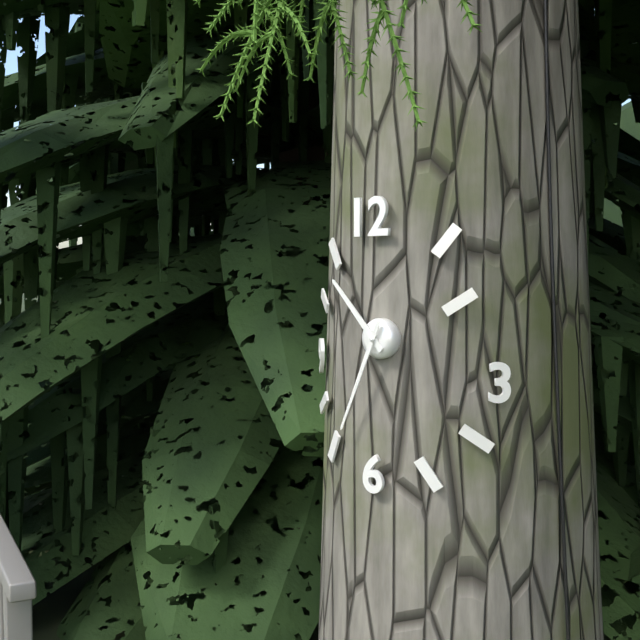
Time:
10h34
